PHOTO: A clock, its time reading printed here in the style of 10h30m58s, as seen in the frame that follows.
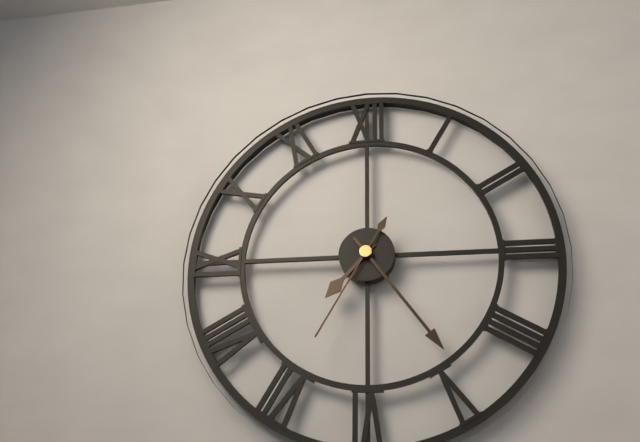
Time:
7h24m35s
